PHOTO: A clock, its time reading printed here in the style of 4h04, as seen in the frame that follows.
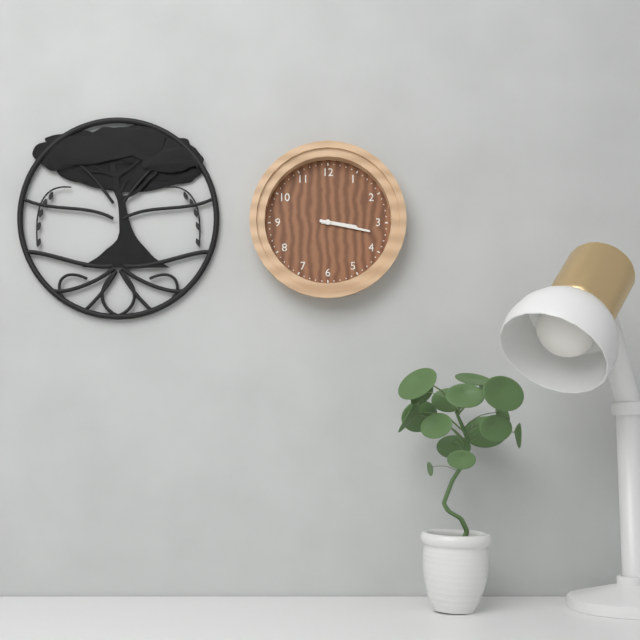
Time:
3h17
